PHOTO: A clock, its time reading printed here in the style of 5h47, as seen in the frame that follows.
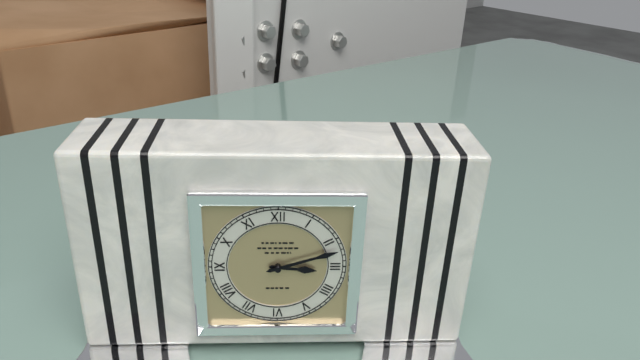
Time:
3h12
